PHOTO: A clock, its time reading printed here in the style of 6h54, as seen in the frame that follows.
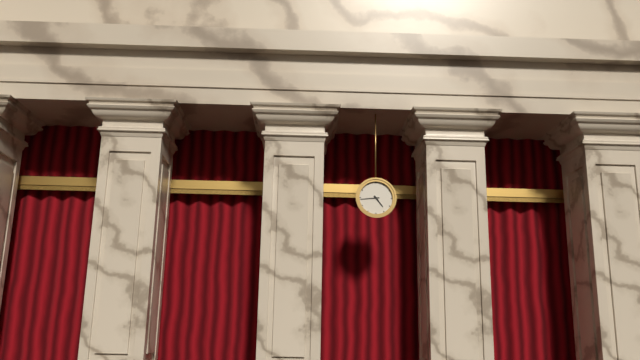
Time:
4h44
